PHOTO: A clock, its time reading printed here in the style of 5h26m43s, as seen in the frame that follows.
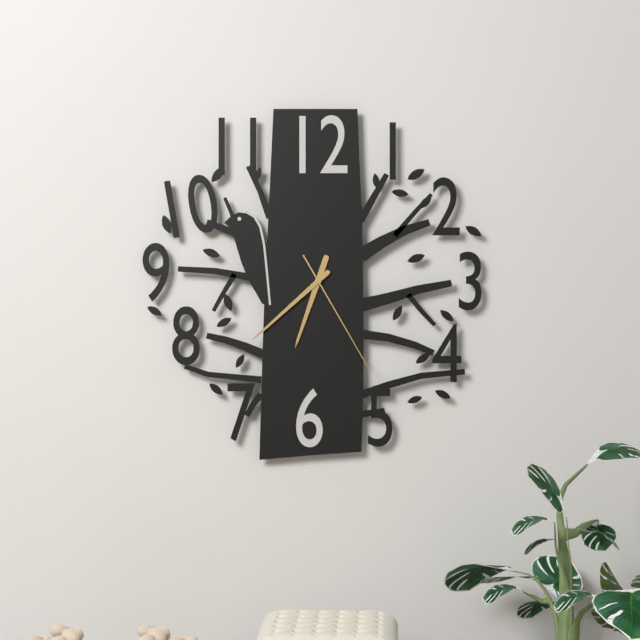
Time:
6h38m25s
